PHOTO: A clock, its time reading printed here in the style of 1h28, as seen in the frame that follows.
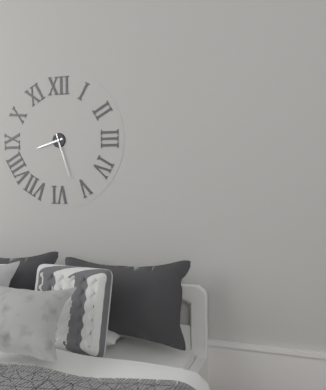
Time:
8h27
